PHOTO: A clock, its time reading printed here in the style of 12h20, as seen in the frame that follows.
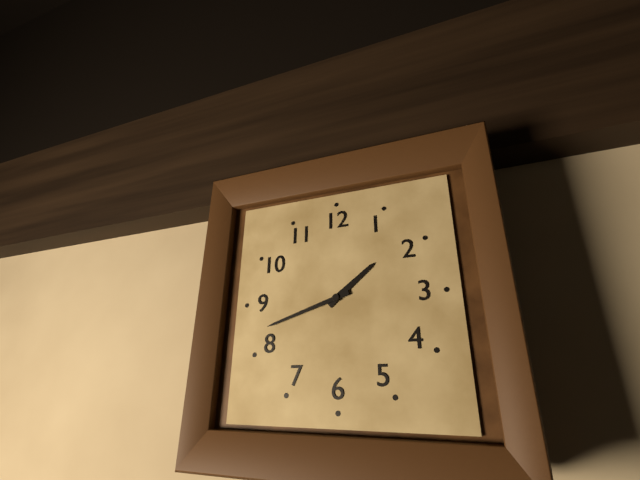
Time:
1h42
